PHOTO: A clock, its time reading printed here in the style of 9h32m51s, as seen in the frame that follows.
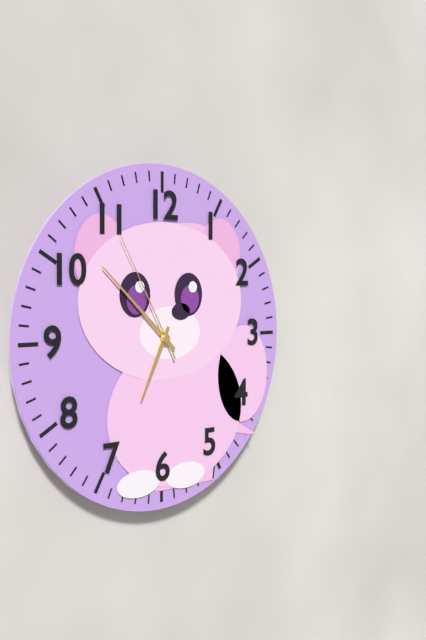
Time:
6h52m55s
